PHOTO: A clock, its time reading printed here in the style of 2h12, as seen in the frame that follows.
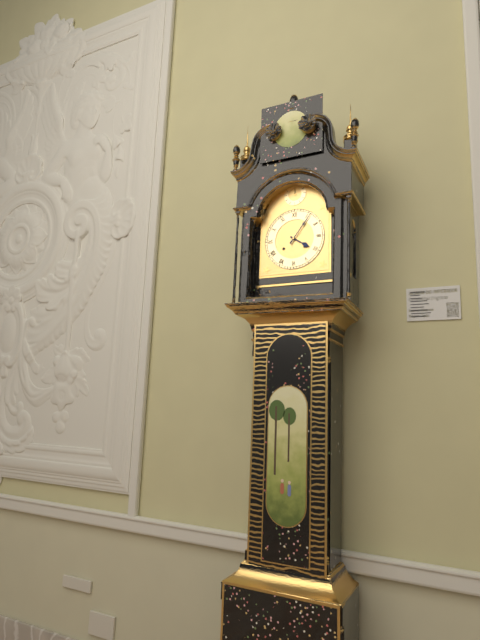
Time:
4h06
